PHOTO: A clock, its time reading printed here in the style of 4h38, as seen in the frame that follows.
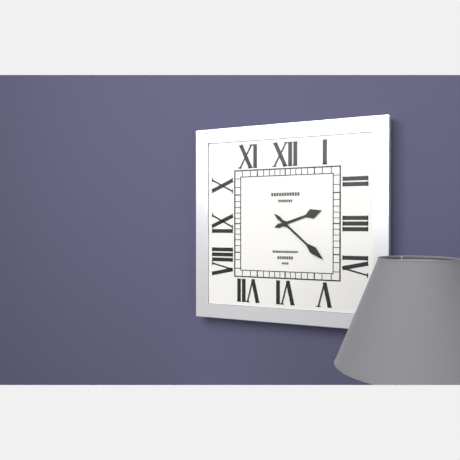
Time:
2h22
